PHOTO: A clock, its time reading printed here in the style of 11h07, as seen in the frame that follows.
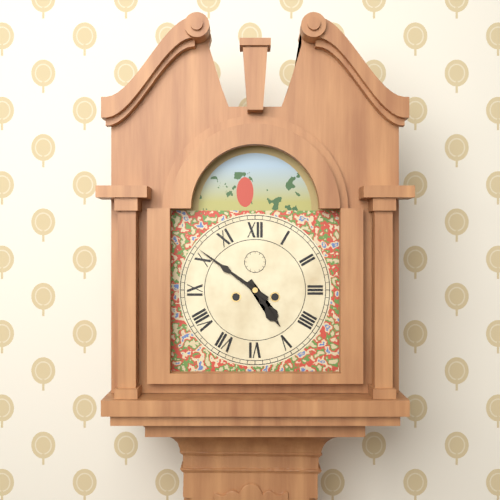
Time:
4h51
